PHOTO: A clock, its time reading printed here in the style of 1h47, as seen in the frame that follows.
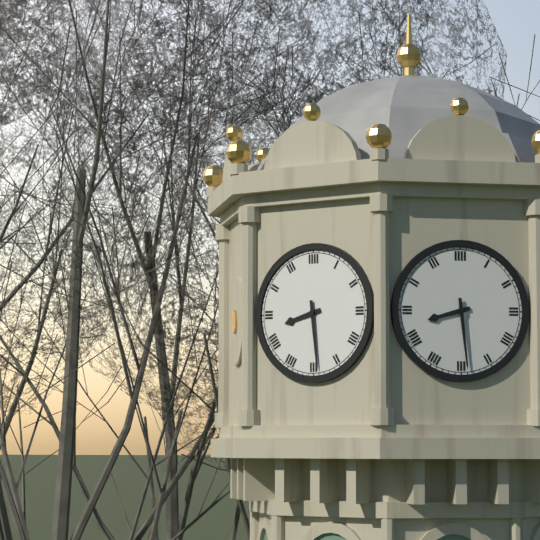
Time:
8h29
